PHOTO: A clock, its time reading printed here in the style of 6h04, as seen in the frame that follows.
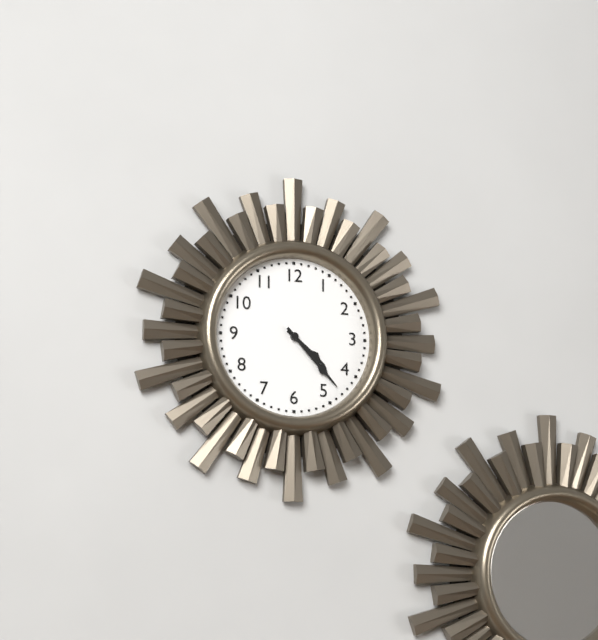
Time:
4h23
